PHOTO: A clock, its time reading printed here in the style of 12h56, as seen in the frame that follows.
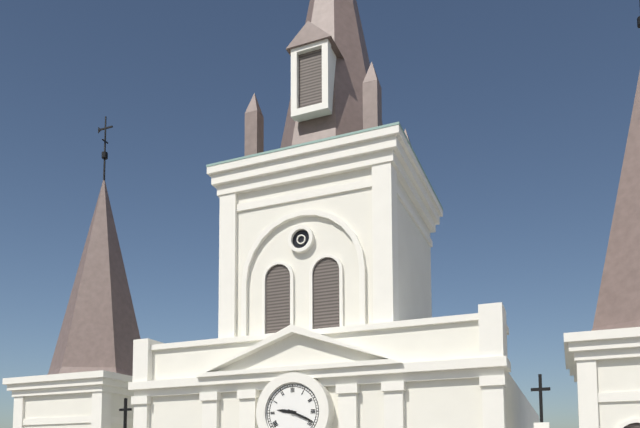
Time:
9h19
